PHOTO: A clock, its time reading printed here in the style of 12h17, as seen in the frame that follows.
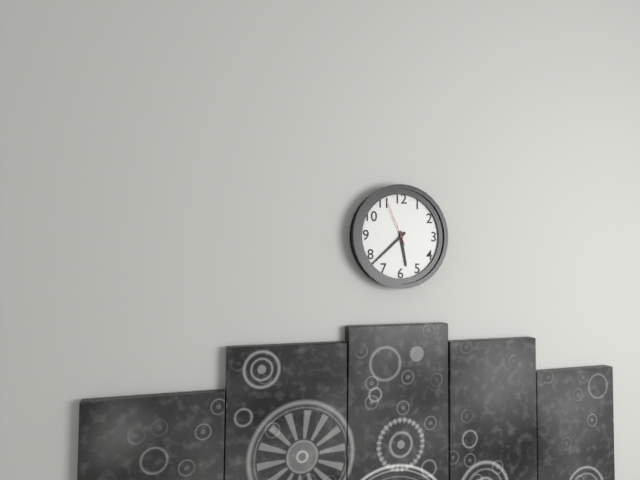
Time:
5h38
